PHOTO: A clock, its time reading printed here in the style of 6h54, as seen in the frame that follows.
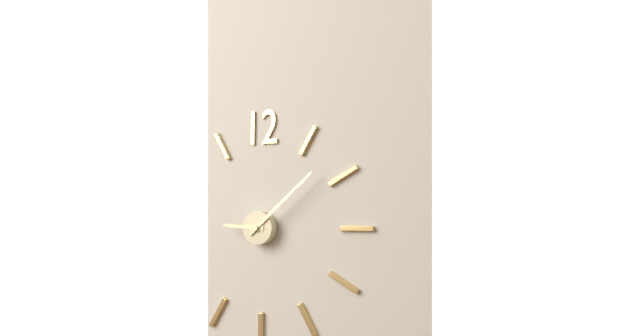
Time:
9h08
